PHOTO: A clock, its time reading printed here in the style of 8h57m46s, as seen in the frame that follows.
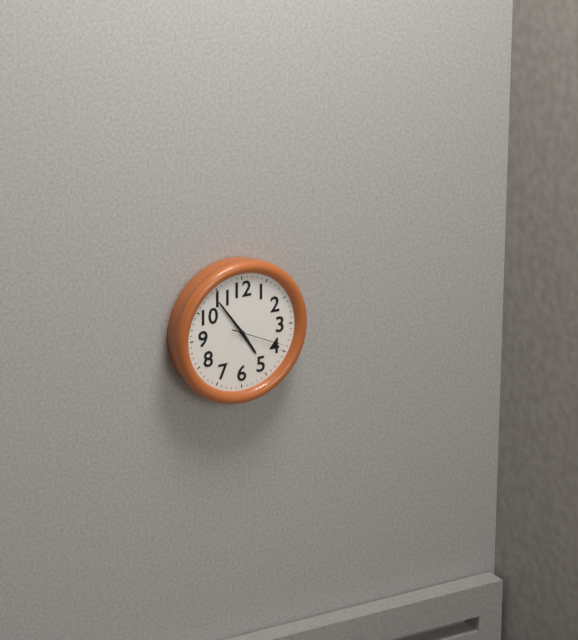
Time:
4h54m19s
